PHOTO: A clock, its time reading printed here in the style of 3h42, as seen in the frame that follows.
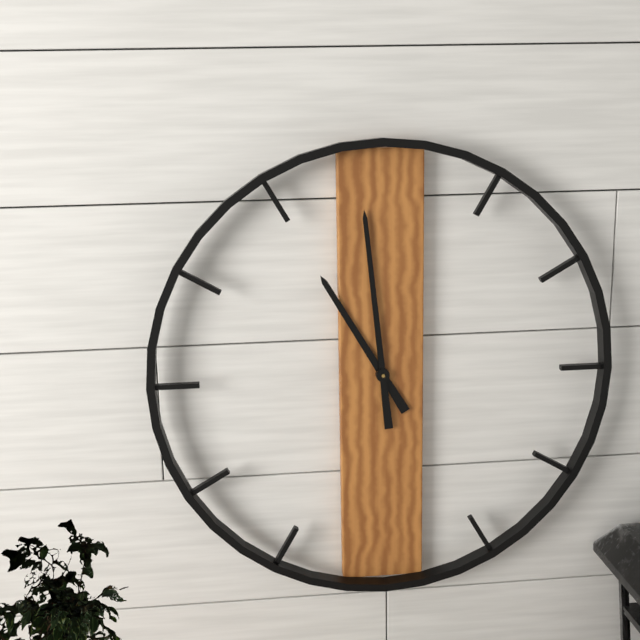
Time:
10h59
